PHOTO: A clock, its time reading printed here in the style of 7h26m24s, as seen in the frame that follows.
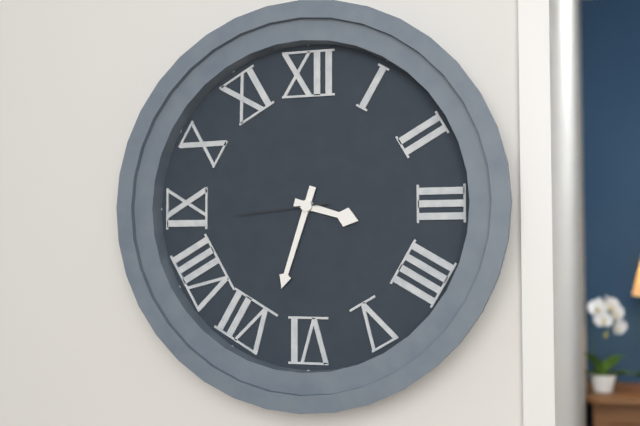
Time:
3h33m44s
